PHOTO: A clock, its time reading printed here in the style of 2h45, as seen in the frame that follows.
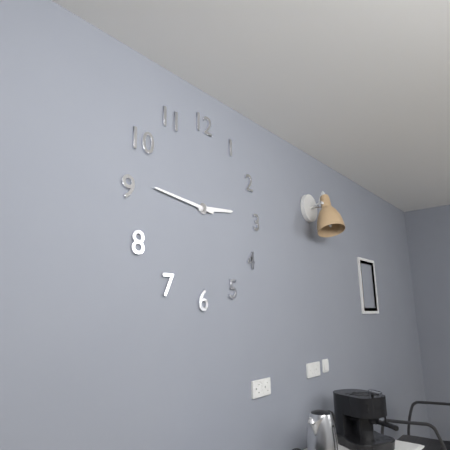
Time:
2h46
